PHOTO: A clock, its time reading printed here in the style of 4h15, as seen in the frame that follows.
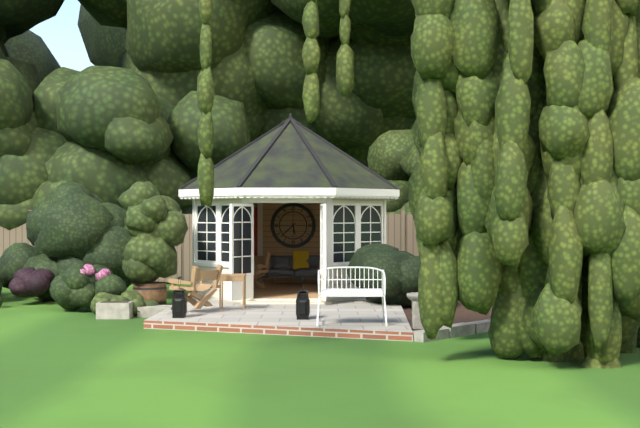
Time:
5h38
